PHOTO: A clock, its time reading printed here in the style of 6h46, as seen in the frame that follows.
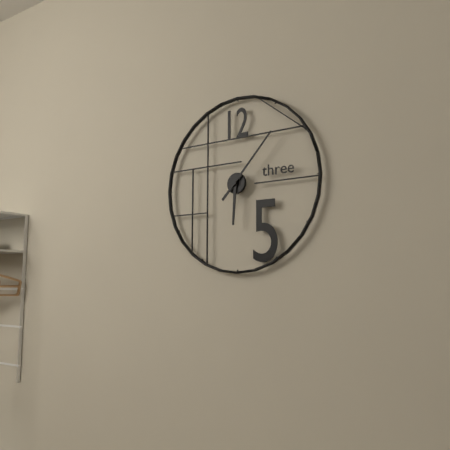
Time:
6h07
